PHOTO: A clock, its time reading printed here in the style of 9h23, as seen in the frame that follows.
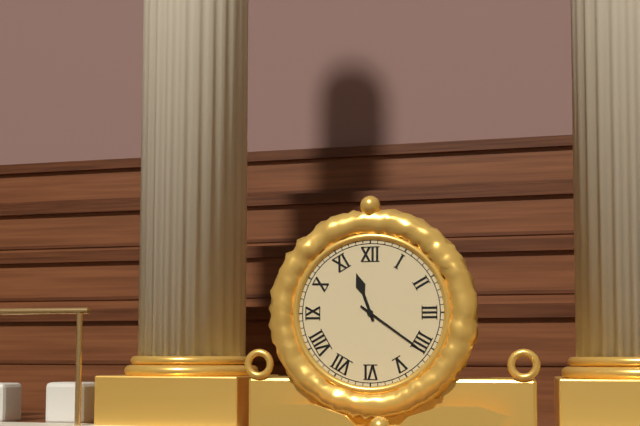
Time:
11h21
